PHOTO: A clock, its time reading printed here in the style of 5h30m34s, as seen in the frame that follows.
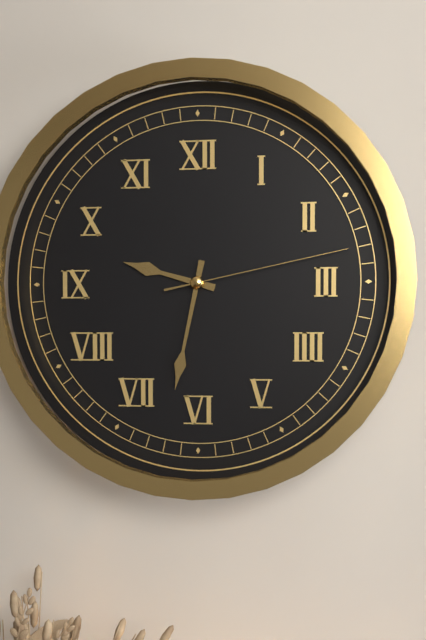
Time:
9h32m13s
